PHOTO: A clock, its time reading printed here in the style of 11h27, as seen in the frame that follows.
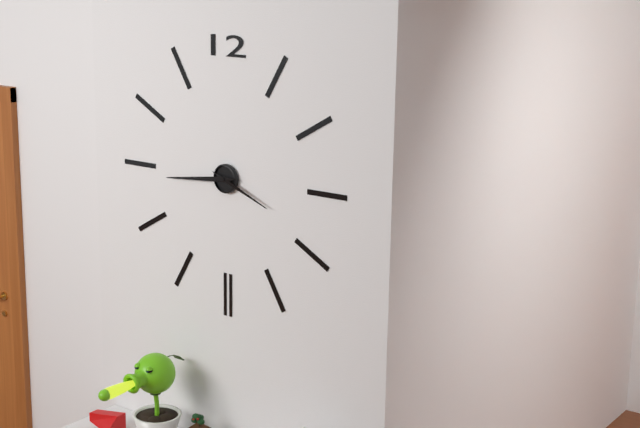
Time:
3h44
